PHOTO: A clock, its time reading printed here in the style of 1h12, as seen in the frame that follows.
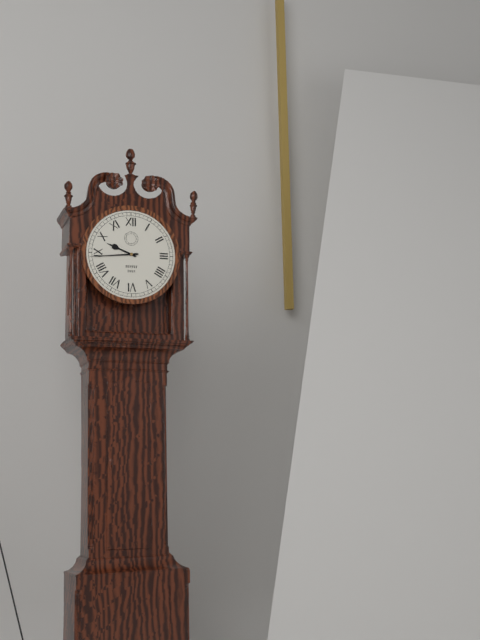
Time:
9h44
